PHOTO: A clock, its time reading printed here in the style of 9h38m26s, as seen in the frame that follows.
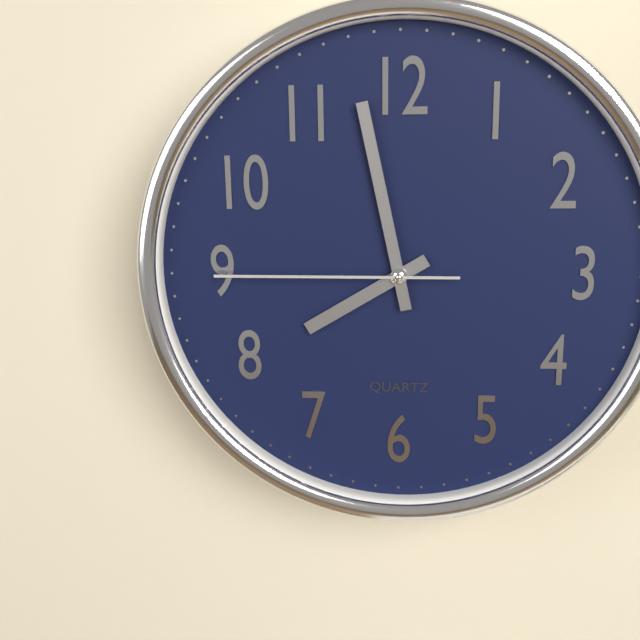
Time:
7h58m45s
